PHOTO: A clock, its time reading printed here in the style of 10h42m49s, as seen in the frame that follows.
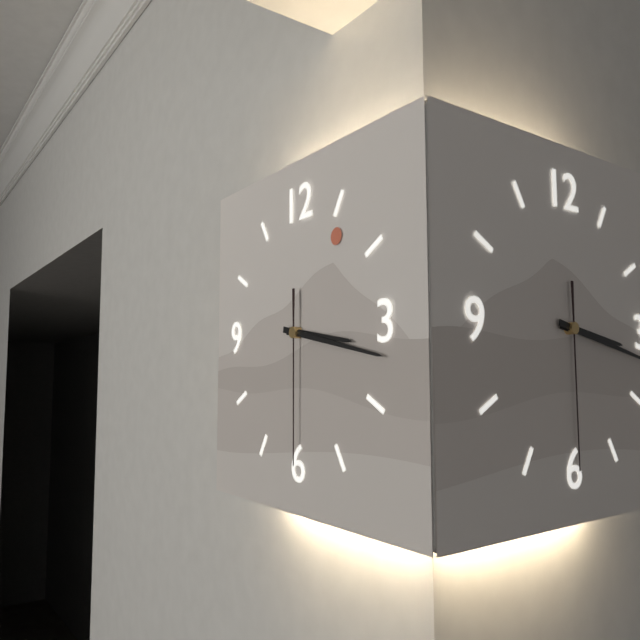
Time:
3h17m30s
